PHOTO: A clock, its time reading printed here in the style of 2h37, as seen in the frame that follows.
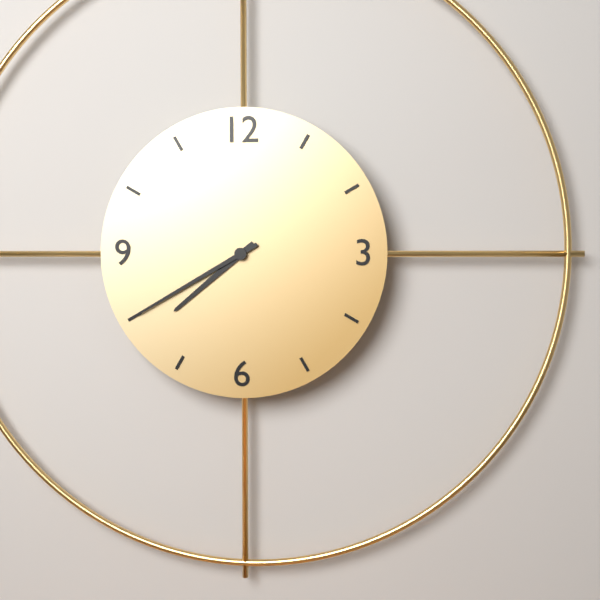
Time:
7h40
